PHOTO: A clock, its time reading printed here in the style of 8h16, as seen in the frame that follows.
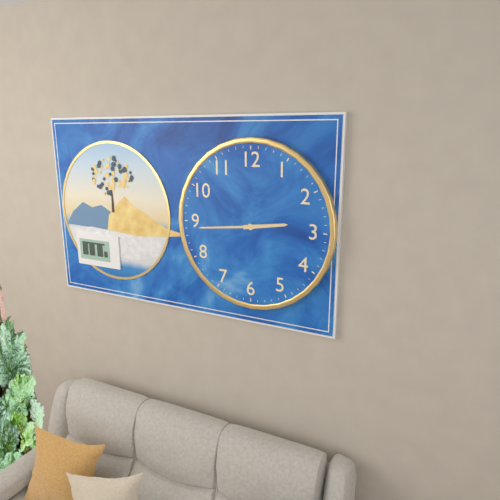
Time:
2h44
